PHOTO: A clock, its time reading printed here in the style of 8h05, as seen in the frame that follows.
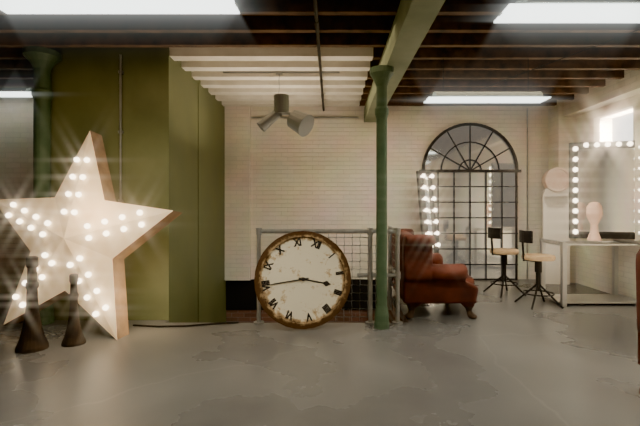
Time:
2h40
